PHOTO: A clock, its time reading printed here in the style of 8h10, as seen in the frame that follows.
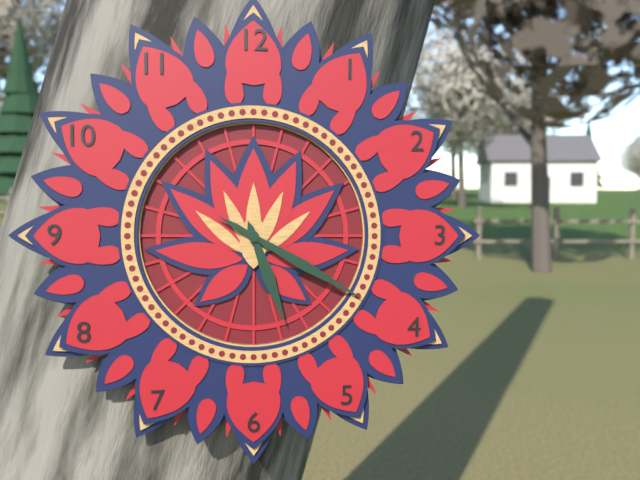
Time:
5h20
